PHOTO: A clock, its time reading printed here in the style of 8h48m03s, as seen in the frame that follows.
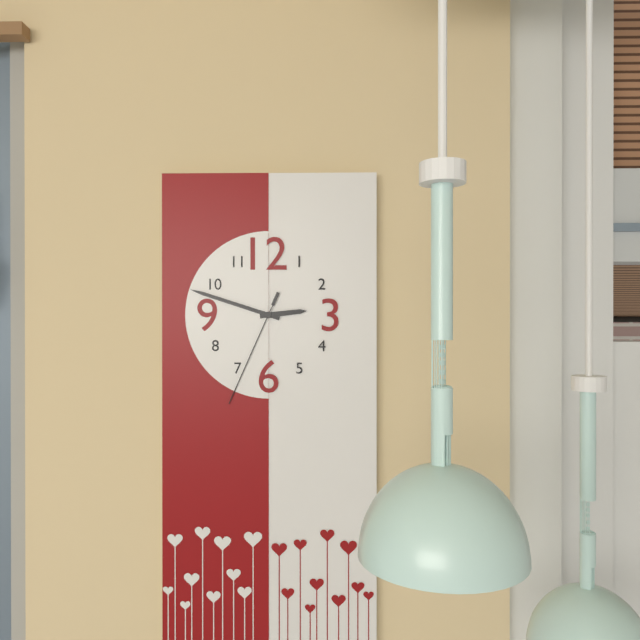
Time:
2h48m34s
